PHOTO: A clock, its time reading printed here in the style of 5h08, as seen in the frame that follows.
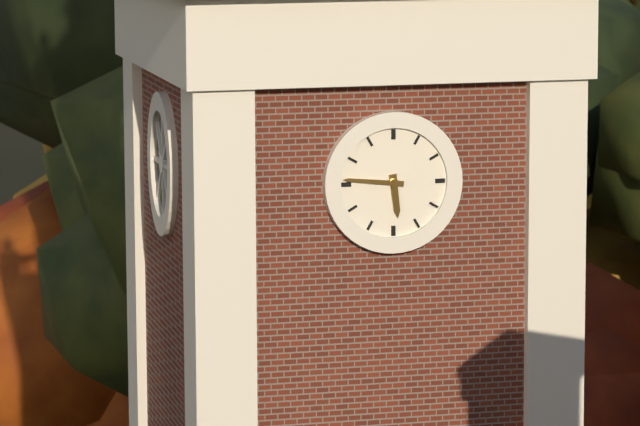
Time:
5h46
